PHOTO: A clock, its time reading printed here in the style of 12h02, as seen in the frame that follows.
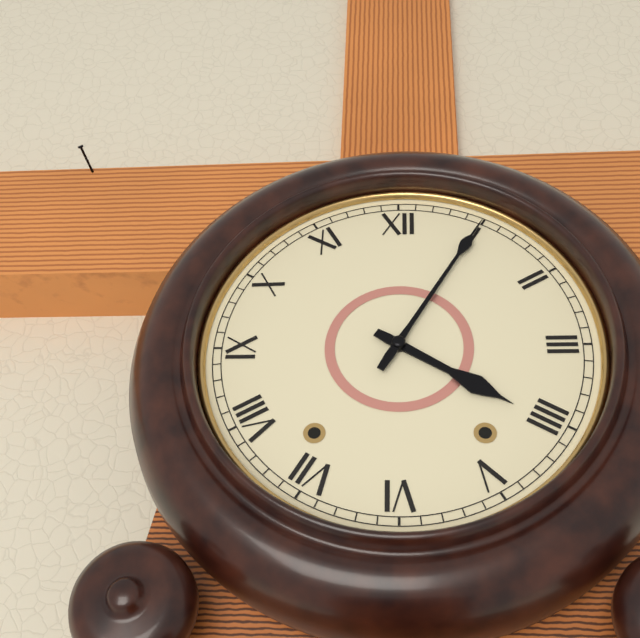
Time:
4h05
